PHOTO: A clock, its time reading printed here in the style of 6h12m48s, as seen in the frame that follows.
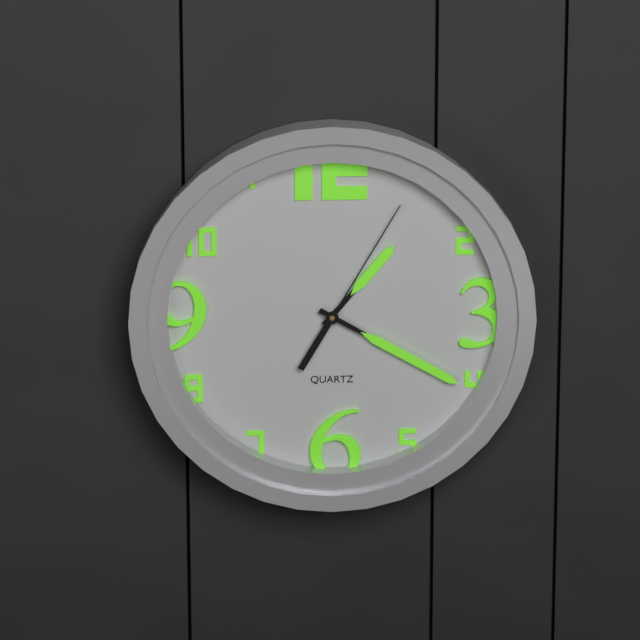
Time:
1h20m05s
